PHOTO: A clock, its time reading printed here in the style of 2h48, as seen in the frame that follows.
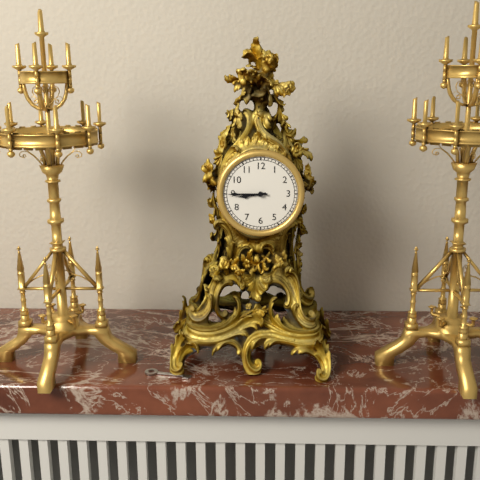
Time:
8h45
